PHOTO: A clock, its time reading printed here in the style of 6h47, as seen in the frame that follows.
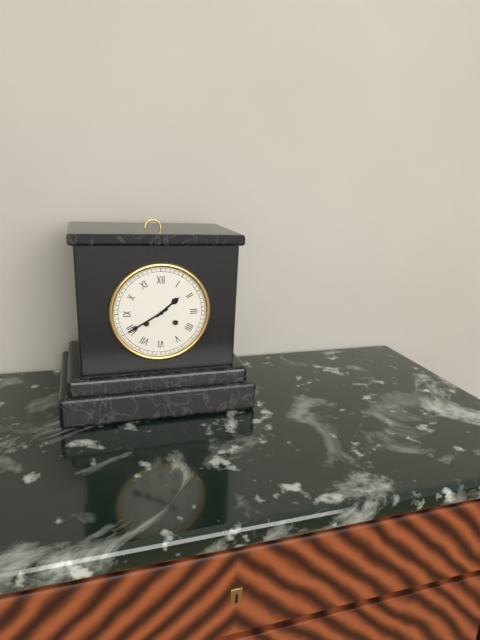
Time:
1h40
